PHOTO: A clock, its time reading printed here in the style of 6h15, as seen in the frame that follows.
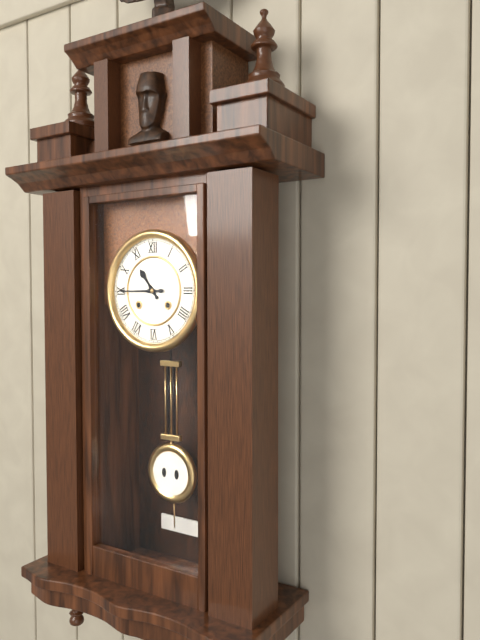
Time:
10h45
